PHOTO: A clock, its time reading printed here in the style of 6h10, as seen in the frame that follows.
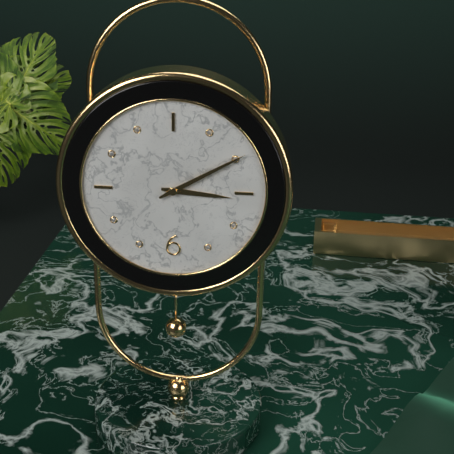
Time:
3h10
